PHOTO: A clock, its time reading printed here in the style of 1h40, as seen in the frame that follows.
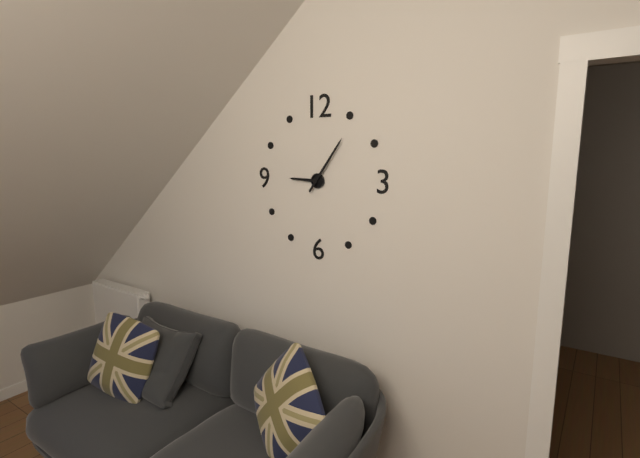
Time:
9h06
